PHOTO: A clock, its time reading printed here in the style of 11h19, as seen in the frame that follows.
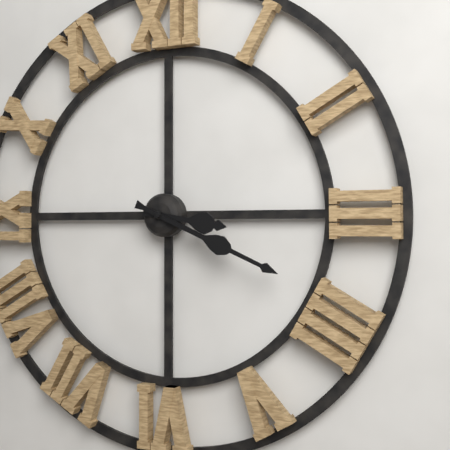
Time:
3h19
